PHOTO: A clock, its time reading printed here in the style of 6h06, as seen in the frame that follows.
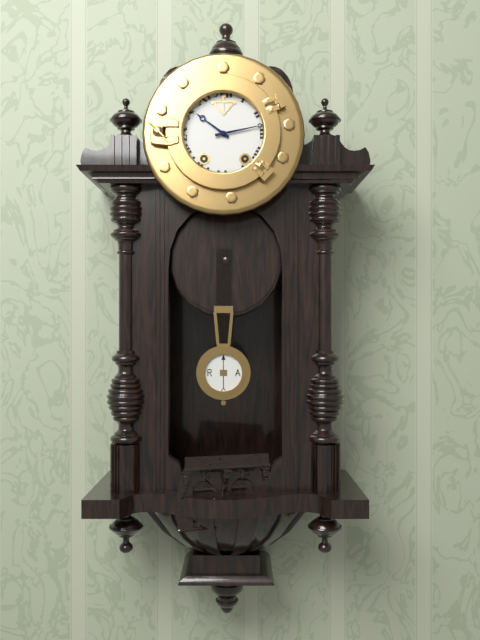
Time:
10h13
